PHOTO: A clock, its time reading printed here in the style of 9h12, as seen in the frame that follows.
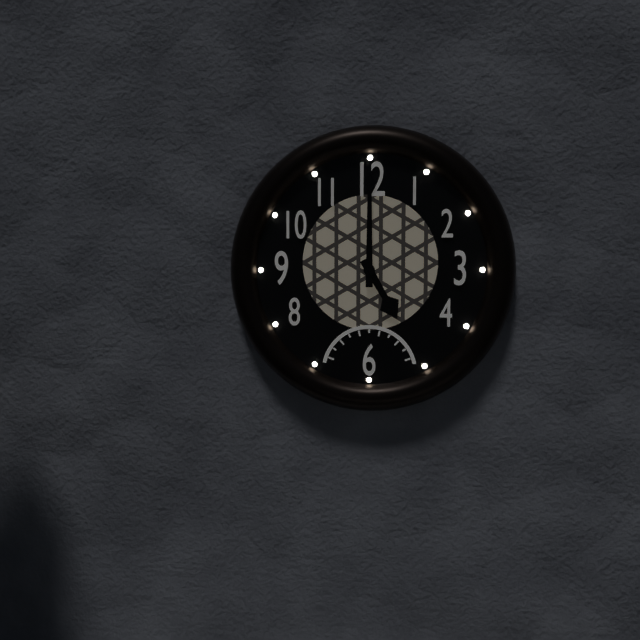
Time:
5h00
